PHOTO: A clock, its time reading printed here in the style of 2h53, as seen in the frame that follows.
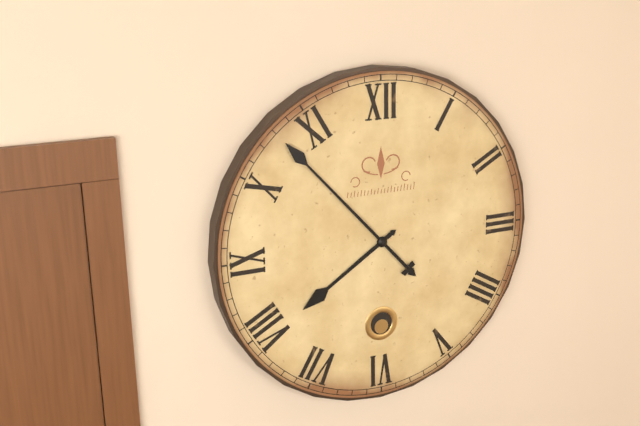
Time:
7h53
